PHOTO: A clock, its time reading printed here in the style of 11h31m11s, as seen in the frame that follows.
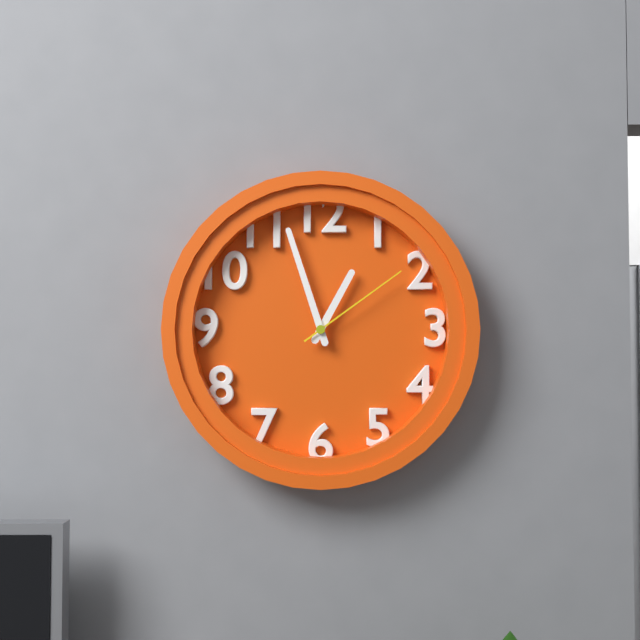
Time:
12h57m09s
